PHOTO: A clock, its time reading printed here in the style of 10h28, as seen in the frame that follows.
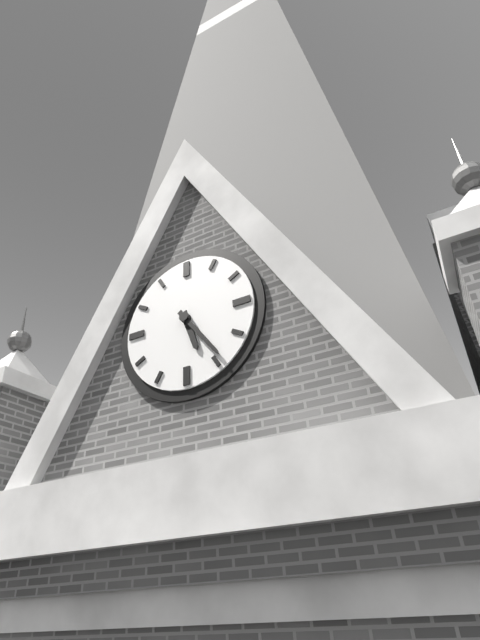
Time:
5h24
